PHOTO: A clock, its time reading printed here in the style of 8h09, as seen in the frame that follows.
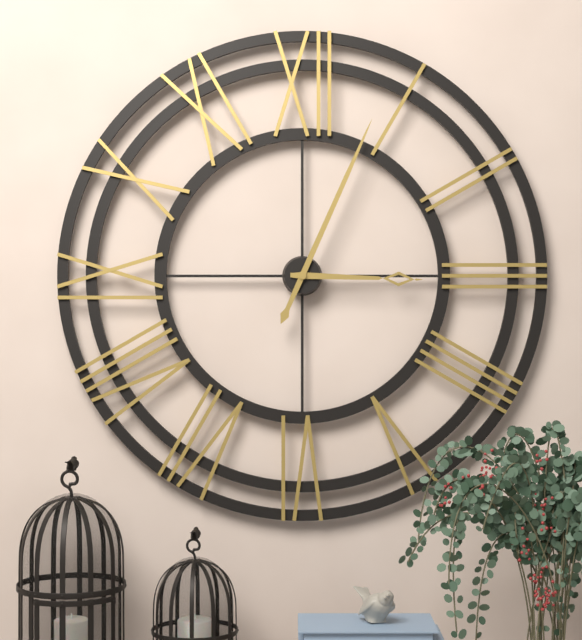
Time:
3h04
